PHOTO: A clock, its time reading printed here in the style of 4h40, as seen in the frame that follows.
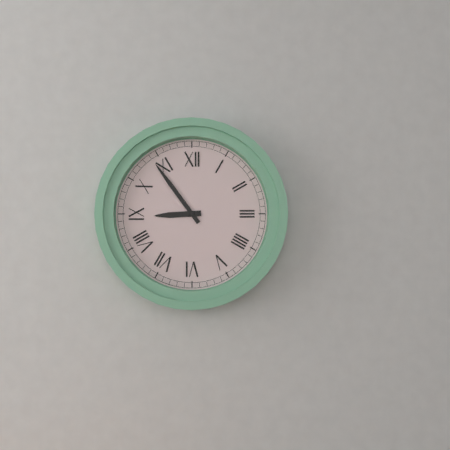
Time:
8h54
